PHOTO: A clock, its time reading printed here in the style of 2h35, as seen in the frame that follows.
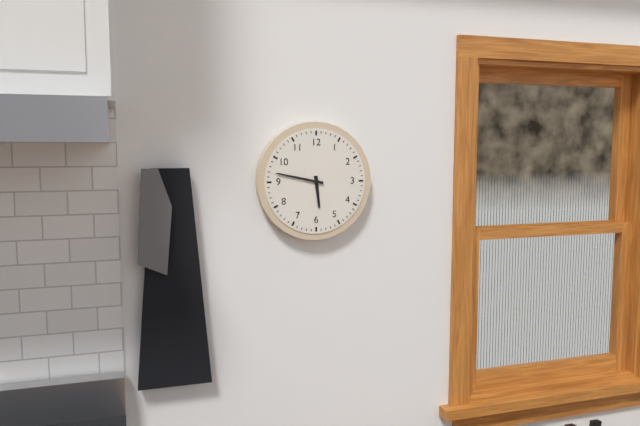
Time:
5h47
